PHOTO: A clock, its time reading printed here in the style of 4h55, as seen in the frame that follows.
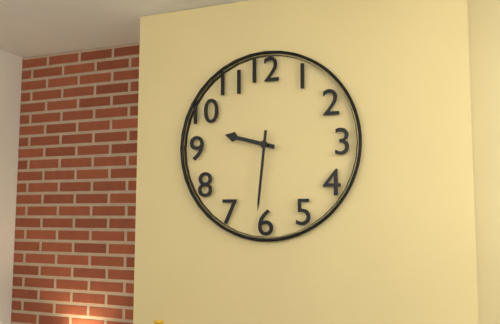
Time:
9h31
